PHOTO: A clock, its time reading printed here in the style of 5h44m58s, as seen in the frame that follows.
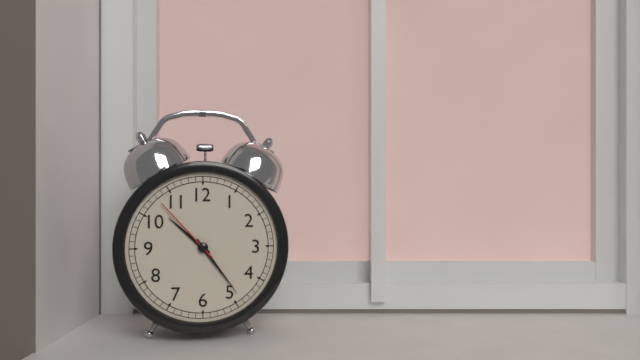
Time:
10h24m53s
